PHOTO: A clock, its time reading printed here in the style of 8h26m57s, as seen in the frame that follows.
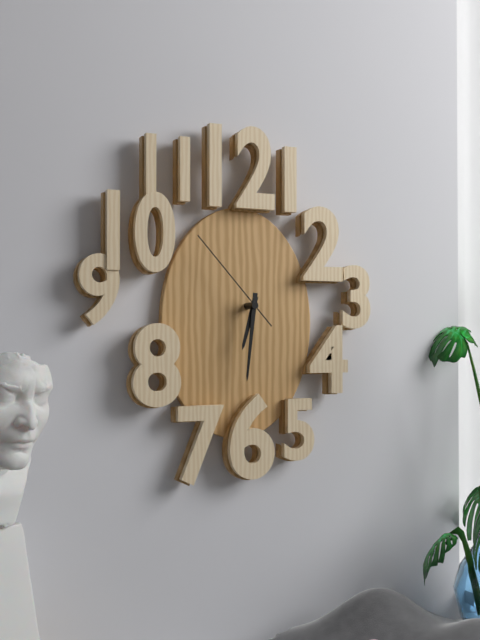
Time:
6h31m53s
